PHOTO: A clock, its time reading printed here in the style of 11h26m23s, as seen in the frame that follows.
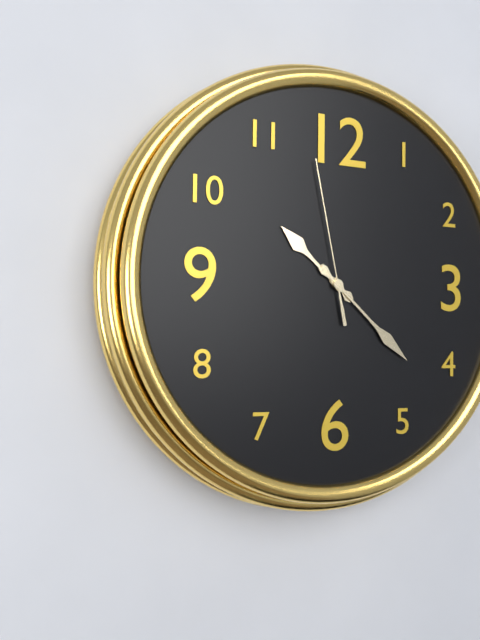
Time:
10h22m58s
